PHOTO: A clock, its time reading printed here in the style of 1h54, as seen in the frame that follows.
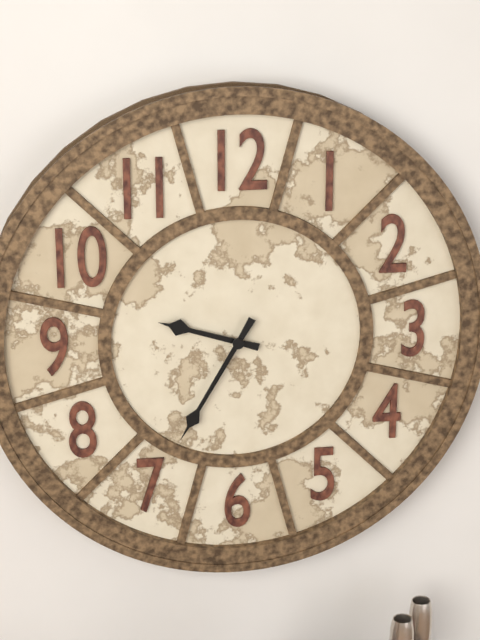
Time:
9h35
